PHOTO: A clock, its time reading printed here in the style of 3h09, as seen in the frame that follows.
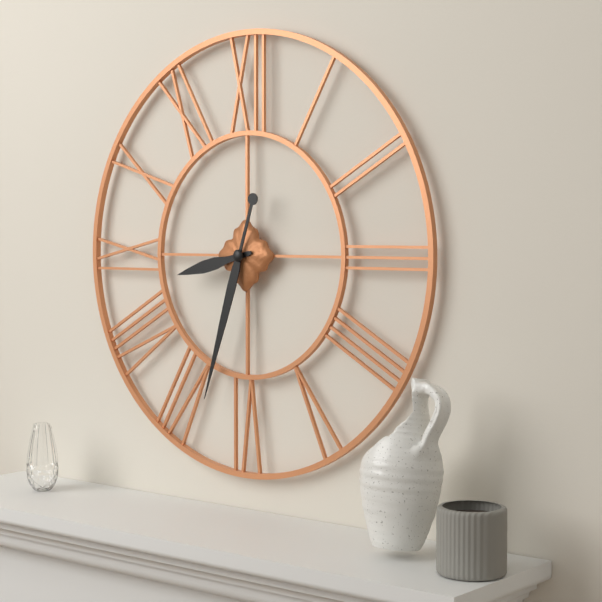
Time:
8h33
